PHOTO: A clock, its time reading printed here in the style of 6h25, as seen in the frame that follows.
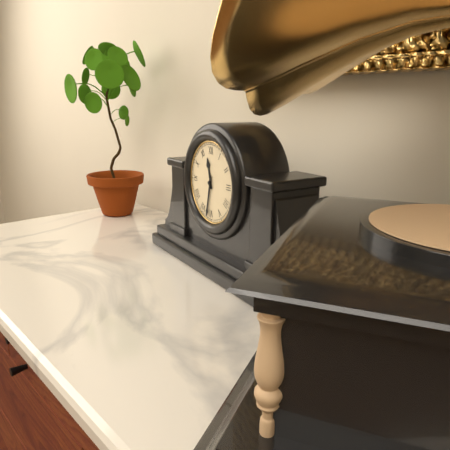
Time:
11h32
